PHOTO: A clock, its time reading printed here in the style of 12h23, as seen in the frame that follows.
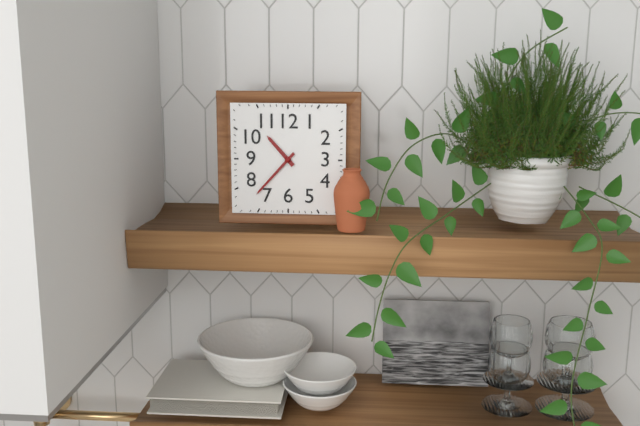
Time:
10h37
